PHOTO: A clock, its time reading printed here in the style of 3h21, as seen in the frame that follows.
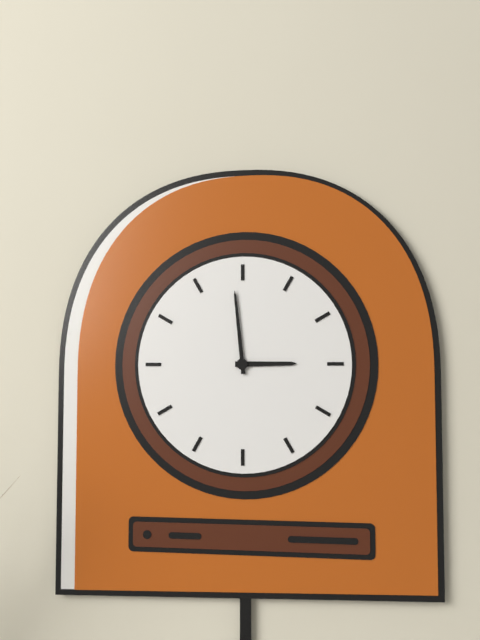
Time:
2h59
